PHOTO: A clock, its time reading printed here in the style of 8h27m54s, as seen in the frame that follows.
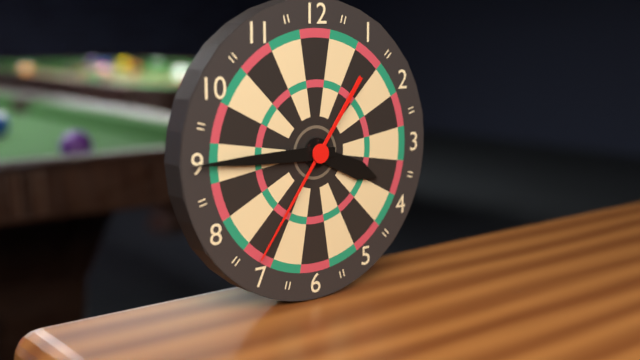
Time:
3h45m36s
